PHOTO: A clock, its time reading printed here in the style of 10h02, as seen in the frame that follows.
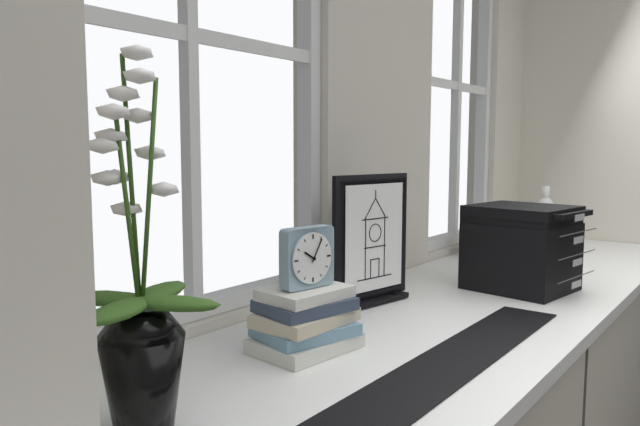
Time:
10h05
